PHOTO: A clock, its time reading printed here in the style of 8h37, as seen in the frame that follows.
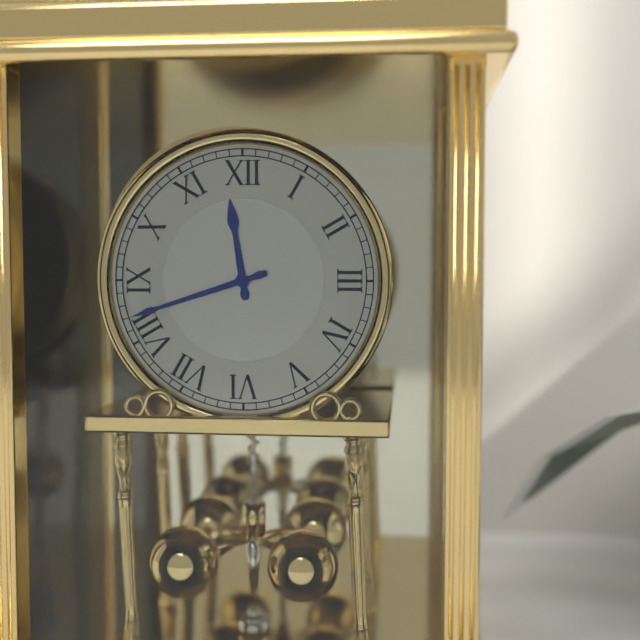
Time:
11h42
